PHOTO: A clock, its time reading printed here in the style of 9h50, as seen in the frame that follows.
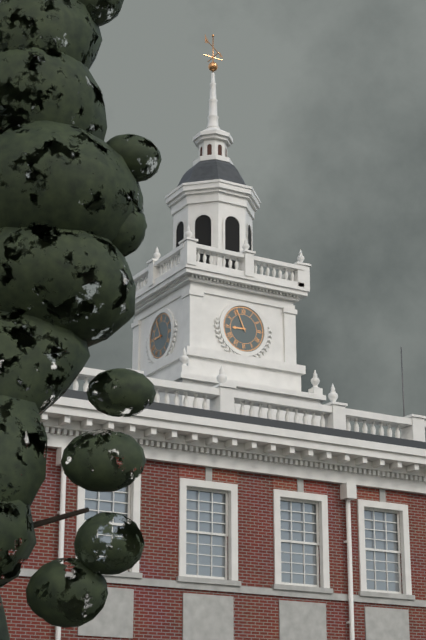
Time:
8h56
